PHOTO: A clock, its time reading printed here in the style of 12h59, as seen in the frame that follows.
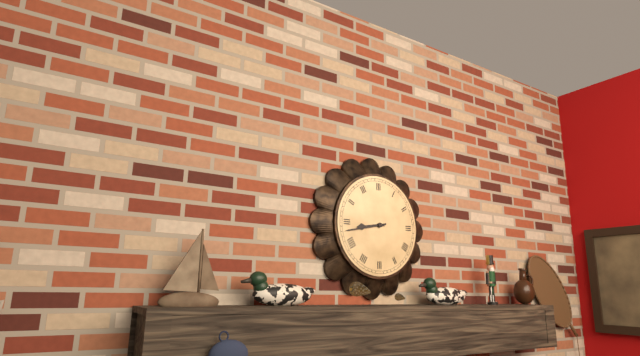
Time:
8h43
